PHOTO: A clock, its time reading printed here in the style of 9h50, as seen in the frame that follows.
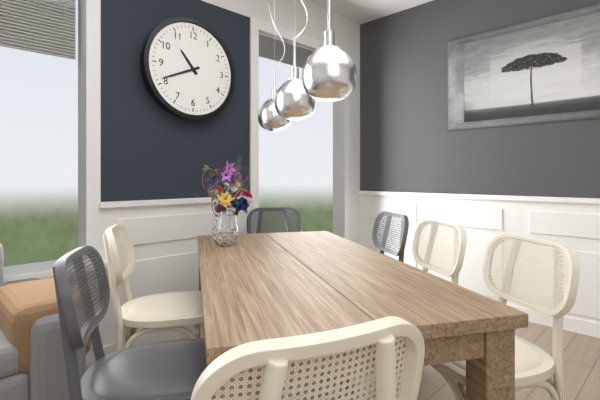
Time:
10h41
